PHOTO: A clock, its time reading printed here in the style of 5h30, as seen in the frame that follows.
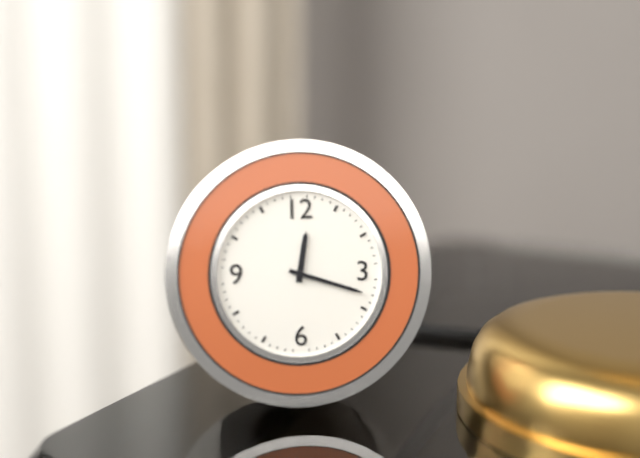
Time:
12h18
